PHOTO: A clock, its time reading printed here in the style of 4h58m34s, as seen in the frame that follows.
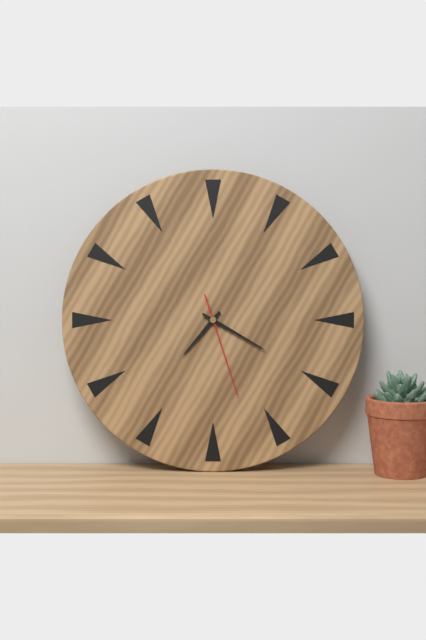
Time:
7h20m27s
